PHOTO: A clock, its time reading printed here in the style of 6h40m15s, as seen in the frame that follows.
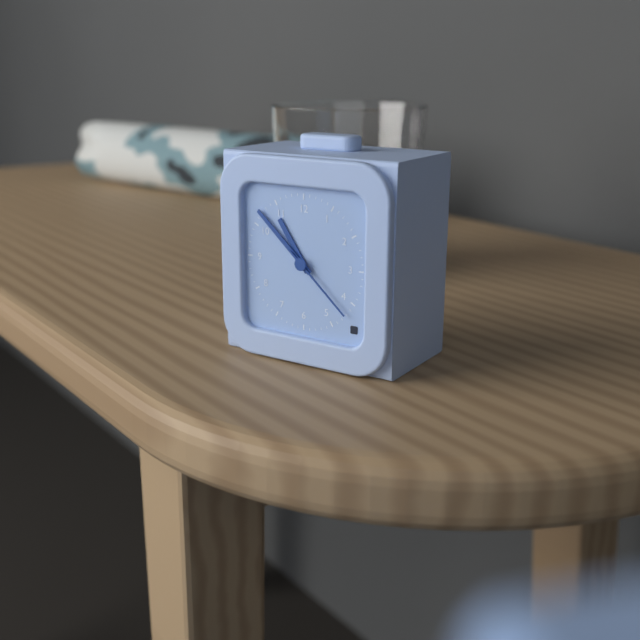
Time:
10h52m22s
